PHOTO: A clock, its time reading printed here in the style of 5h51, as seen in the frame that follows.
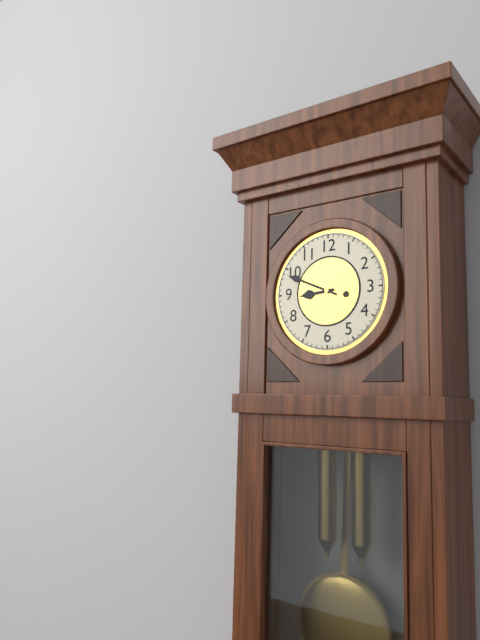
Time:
8h49
